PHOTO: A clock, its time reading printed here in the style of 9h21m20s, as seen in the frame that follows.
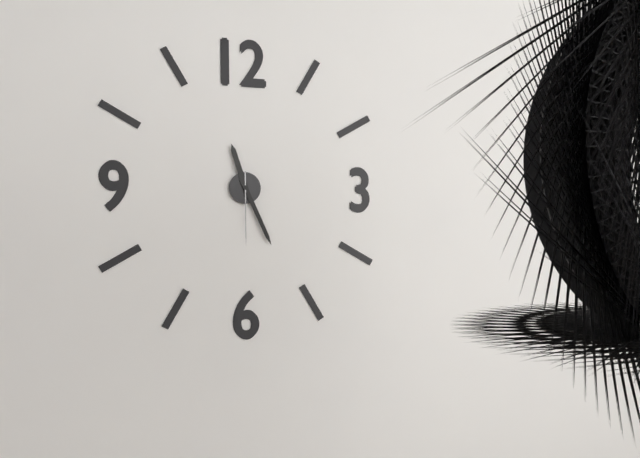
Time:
11h26m30s
